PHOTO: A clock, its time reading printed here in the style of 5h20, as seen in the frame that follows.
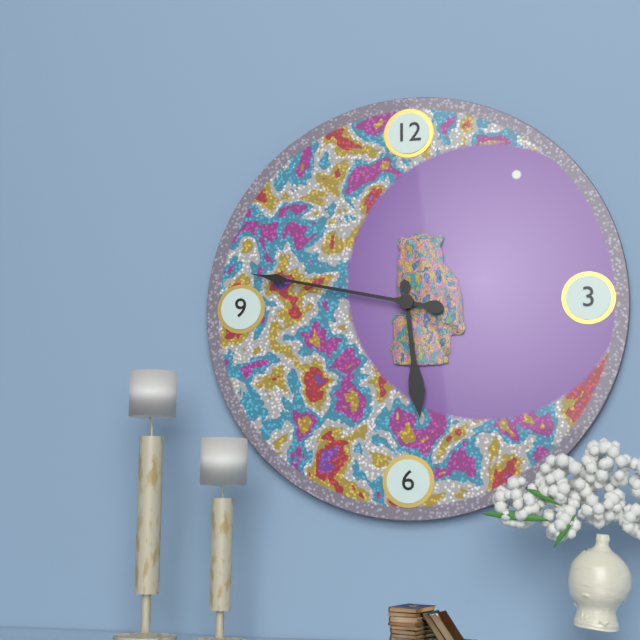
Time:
5h47
